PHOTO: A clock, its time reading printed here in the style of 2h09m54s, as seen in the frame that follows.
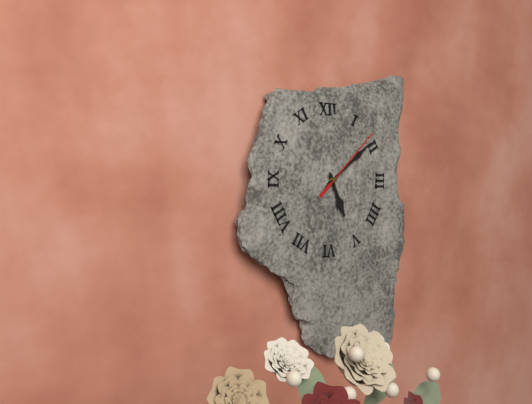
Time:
5h09m08s
